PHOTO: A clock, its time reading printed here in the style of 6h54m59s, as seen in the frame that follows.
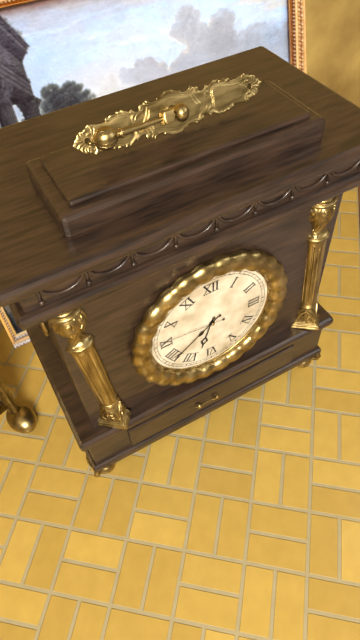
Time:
6h39m46s
